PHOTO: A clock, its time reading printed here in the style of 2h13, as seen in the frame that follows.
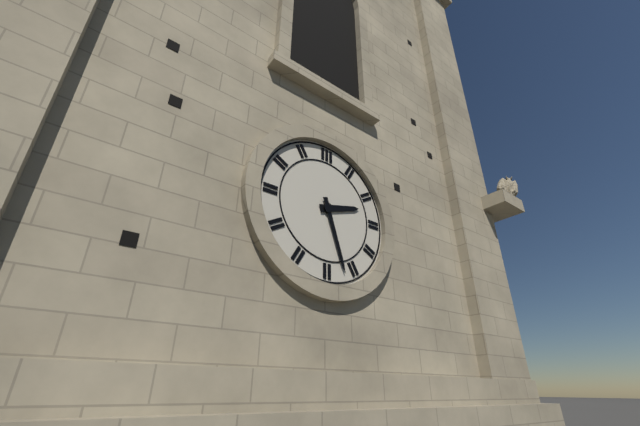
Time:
2h27
